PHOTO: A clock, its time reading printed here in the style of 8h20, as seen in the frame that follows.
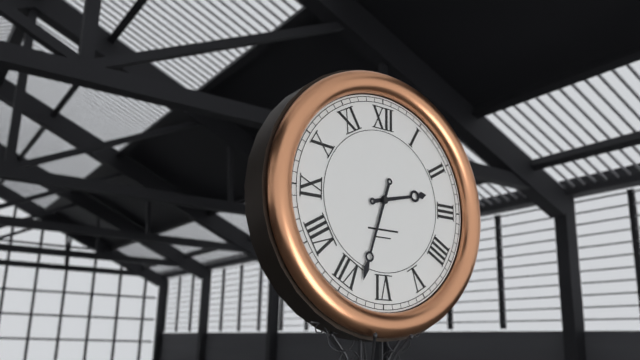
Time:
2h33
